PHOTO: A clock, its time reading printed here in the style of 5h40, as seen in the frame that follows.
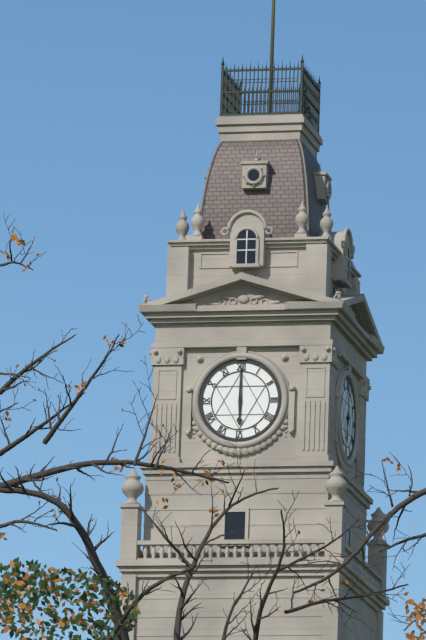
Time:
6h00
